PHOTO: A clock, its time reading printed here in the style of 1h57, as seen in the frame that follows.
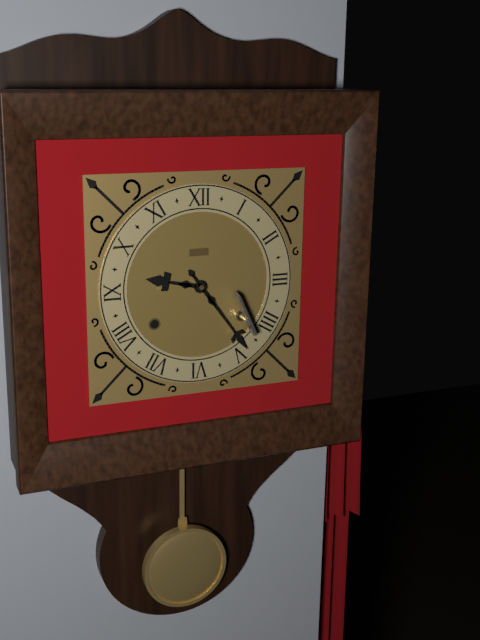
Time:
9h24
